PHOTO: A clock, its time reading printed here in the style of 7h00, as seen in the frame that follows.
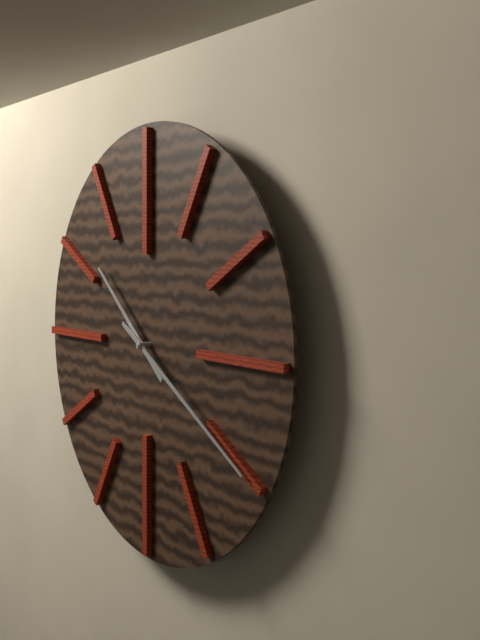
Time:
10h20
